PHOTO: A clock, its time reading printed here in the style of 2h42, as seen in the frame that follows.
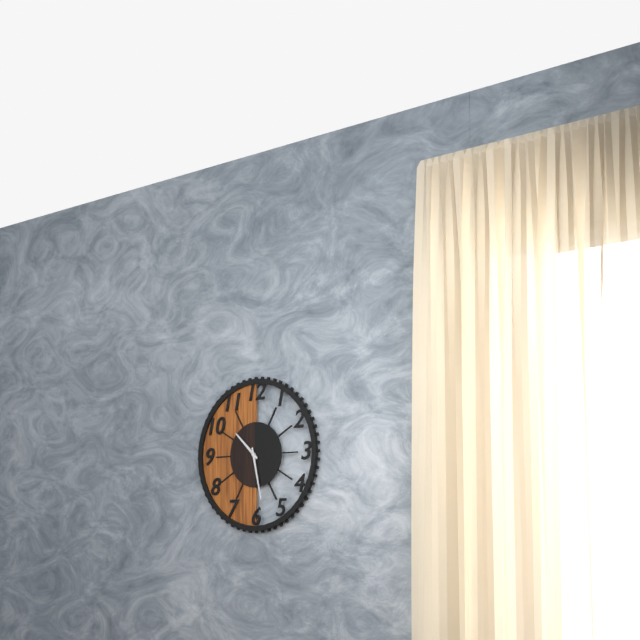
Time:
10h28
